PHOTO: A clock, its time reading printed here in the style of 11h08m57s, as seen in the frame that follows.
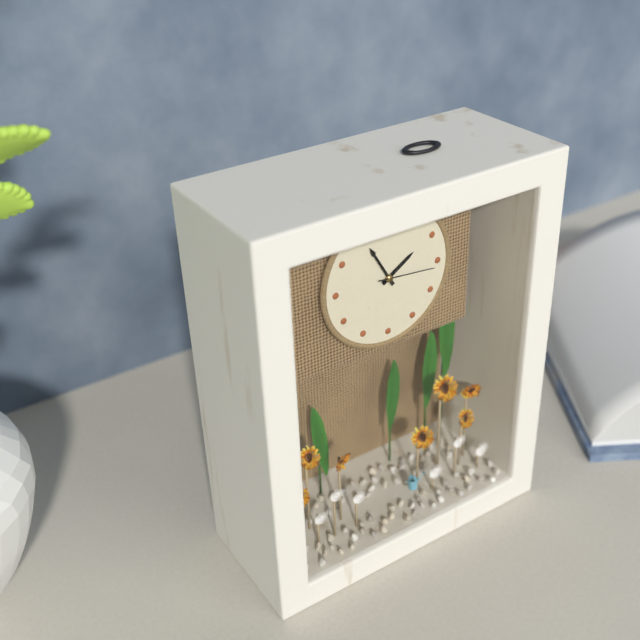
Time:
1h55m16s
